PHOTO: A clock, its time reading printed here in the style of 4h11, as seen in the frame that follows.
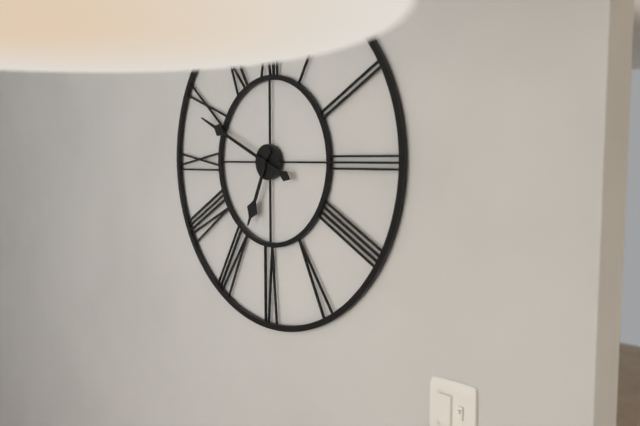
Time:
6h49
